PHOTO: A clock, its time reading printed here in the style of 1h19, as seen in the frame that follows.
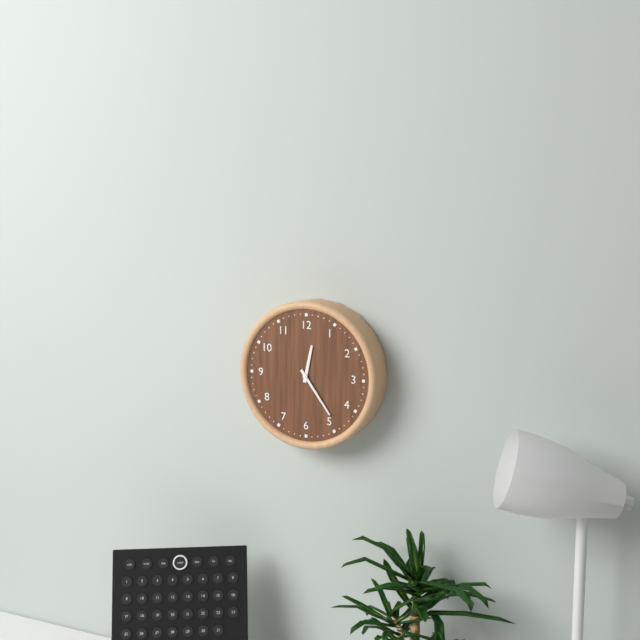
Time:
12h24
